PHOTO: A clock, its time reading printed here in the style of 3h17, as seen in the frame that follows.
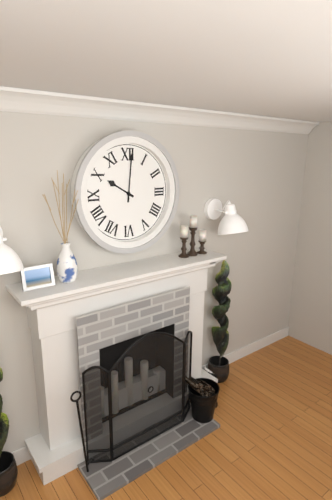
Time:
10h01
